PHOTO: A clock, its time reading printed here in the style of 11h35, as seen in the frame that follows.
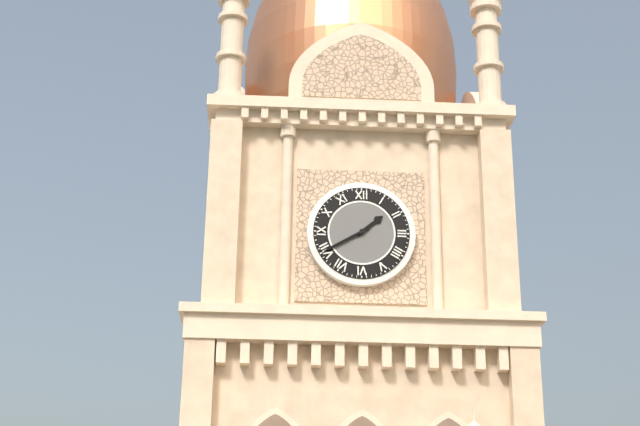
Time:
1h40
